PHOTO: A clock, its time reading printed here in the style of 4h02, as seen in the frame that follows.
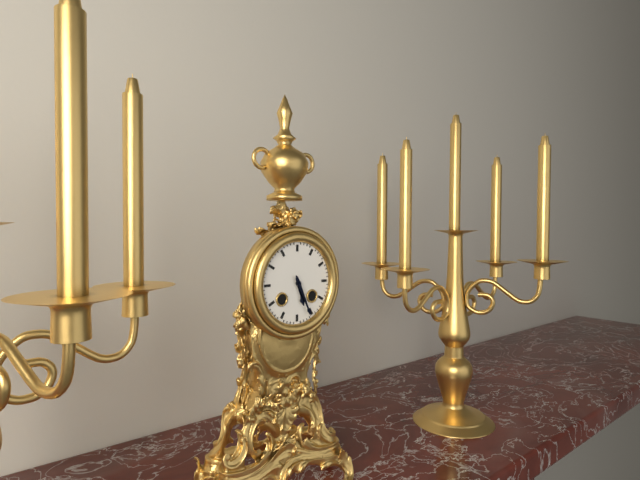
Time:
5h26
